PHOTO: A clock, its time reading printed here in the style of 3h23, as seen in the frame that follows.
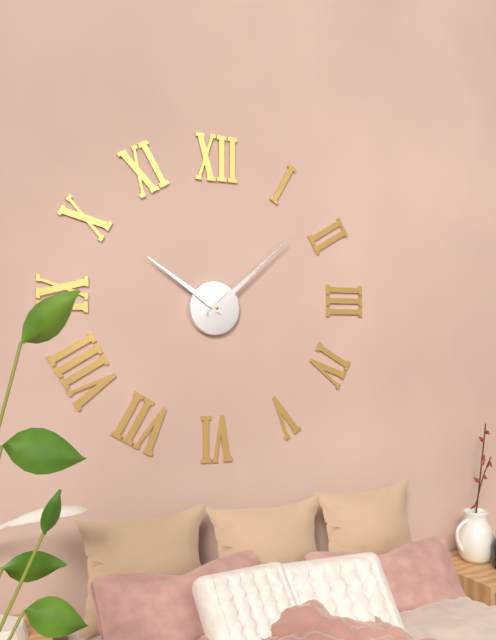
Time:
10h08
